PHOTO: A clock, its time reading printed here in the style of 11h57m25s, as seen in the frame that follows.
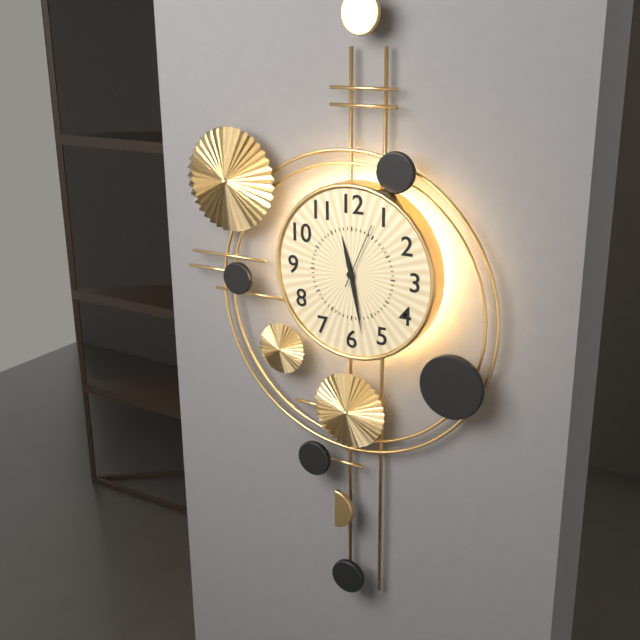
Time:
11h28m04s
